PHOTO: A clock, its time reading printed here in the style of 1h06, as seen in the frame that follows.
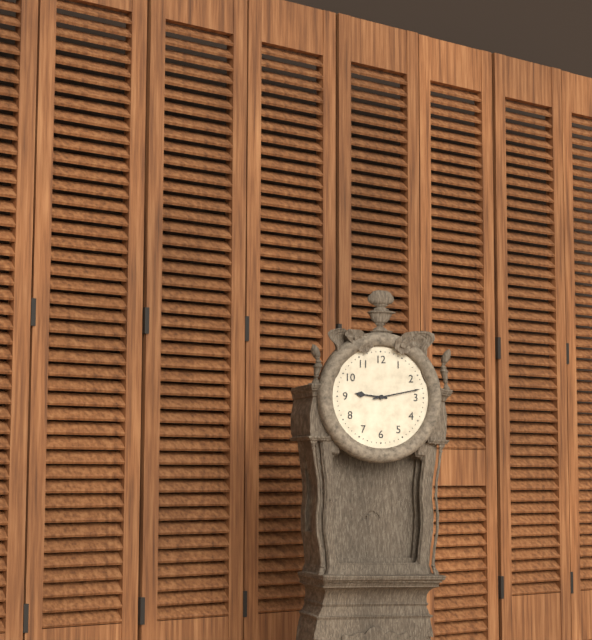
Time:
9h13
